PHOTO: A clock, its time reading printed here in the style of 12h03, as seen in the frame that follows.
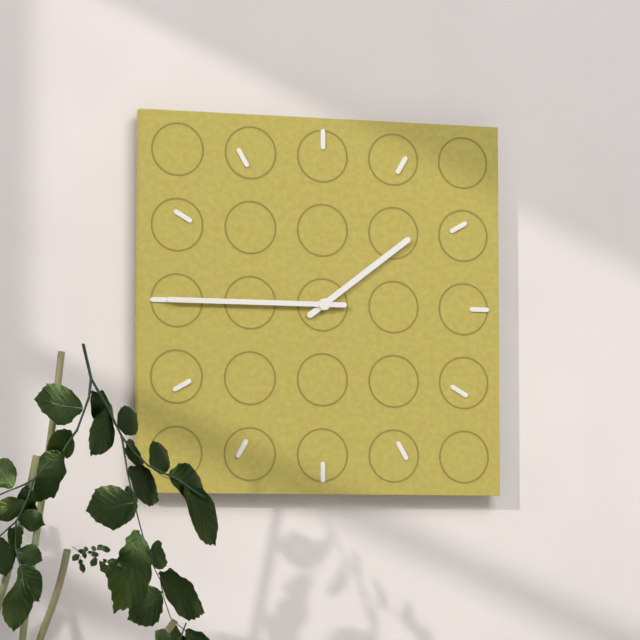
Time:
1h45
